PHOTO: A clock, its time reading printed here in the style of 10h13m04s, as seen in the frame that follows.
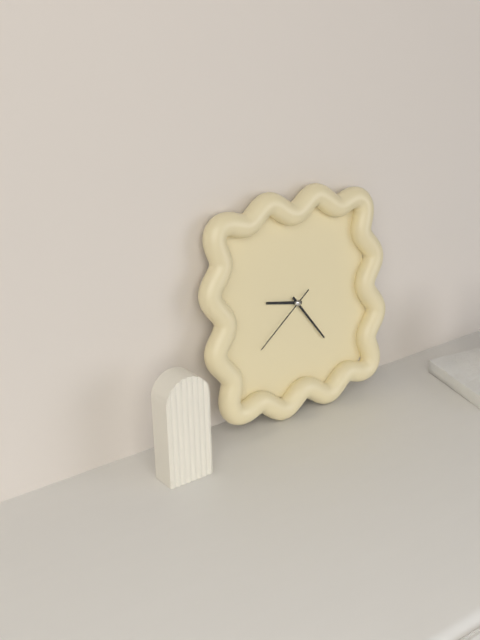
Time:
9h24m39s
